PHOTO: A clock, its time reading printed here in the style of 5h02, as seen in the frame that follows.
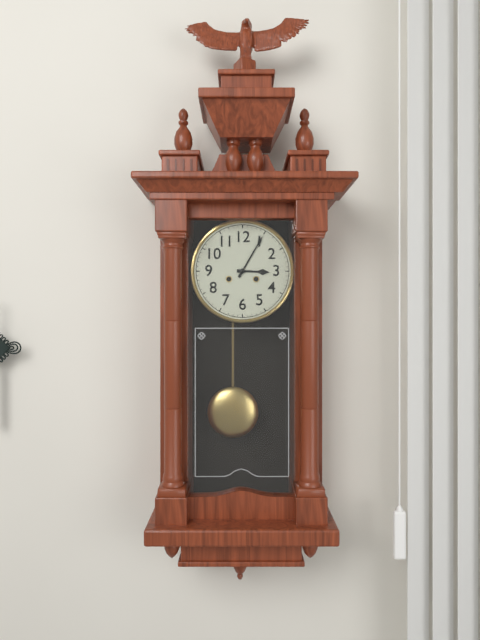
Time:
3h05
